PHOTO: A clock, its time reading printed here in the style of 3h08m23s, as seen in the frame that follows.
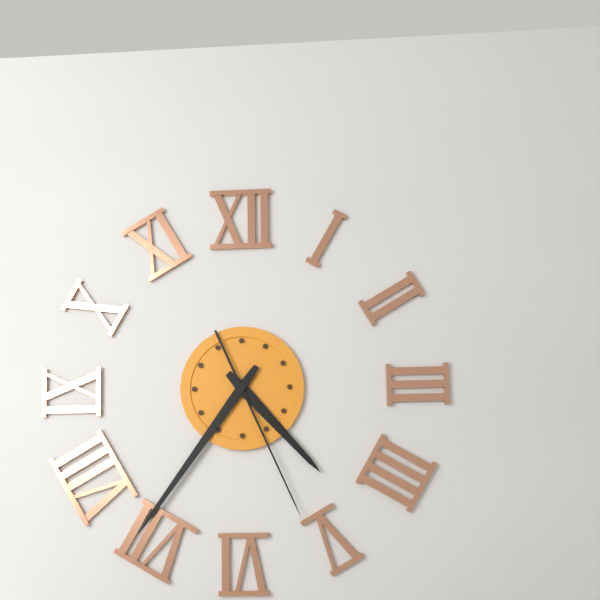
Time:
4h36m26s
